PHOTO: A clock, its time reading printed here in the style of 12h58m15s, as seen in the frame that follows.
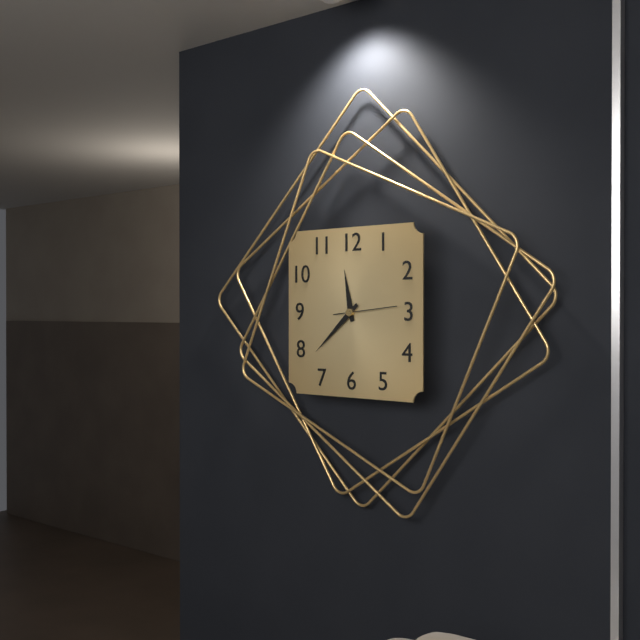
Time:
11h38m14s
